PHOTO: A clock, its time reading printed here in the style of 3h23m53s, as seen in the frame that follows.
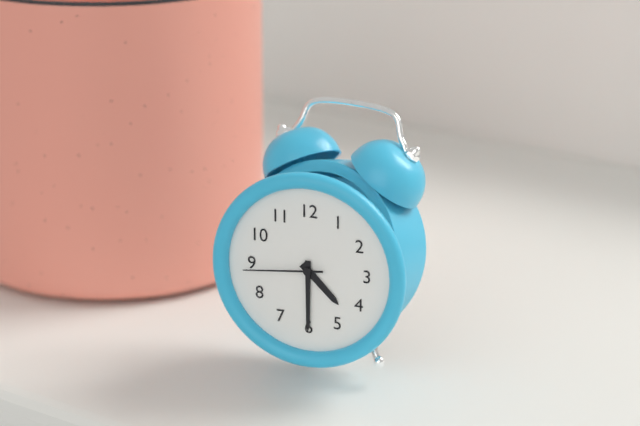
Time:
4h30m44s
